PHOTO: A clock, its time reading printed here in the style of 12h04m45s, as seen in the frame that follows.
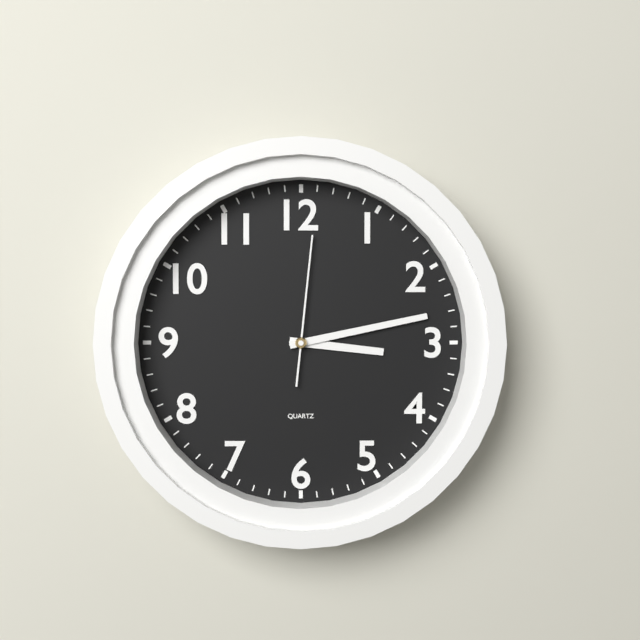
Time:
3h13m01s
